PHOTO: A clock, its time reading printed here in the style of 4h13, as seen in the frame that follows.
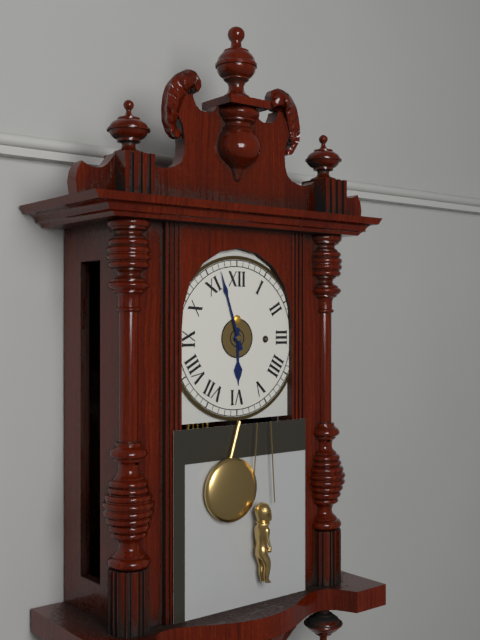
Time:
5h57
